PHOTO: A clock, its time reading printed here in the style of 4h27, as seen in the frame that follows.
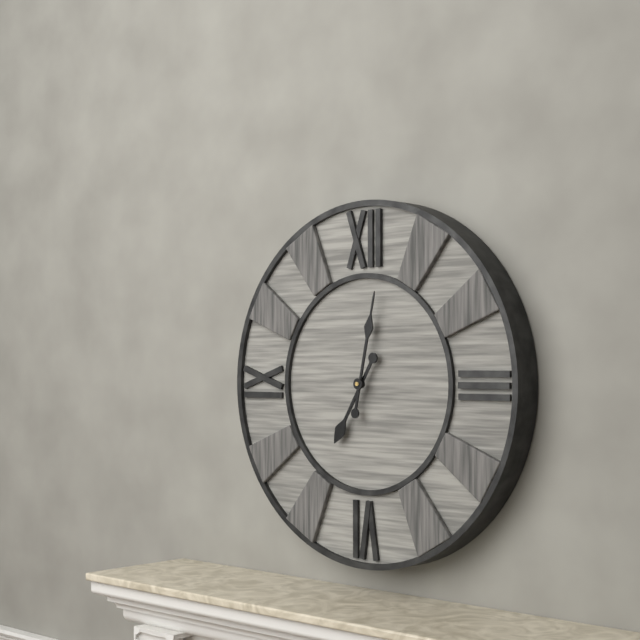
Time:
7h02
